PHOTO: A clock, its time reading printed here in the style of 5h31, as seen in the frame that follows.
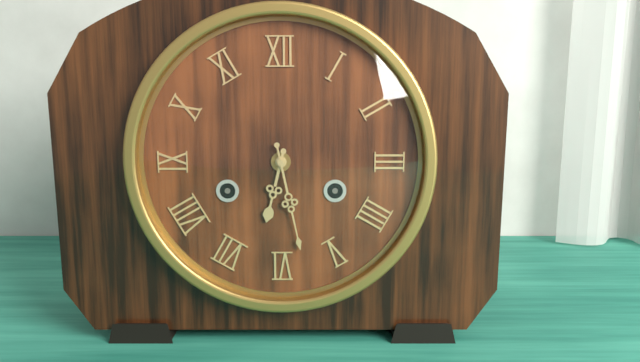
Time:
6h28
